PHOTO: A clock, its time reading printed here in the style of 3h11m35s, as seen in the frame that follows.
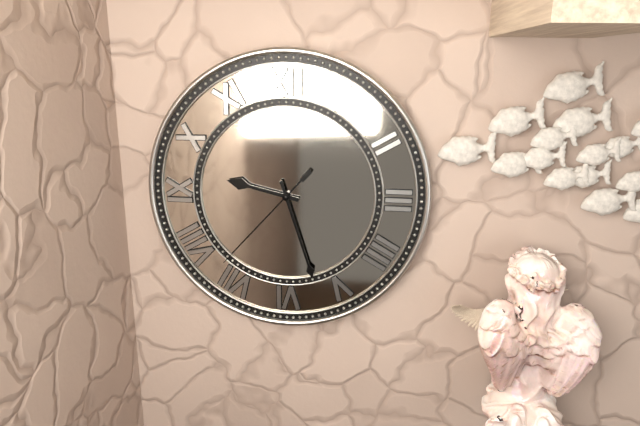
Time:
9h27m37s
